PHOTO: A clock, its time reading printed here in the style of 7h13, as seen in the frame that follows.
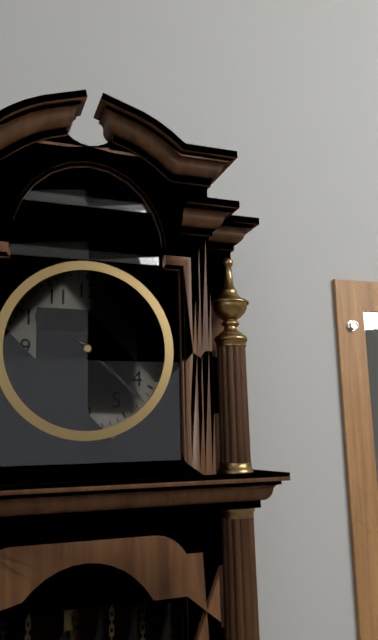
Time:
7h22
